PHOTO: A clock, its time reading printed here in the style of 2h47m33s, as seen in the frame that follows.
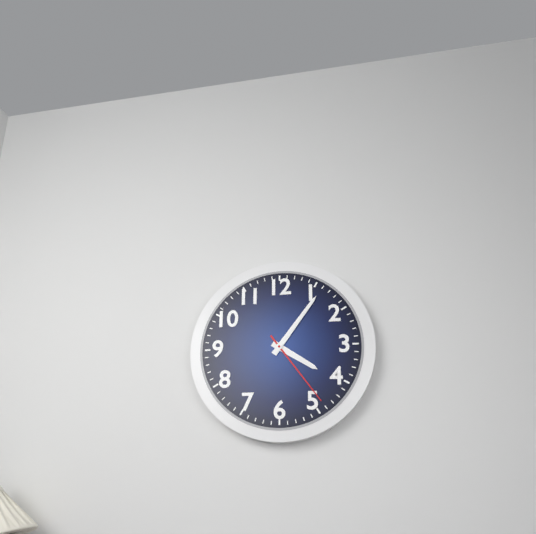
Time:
4h06m24s
